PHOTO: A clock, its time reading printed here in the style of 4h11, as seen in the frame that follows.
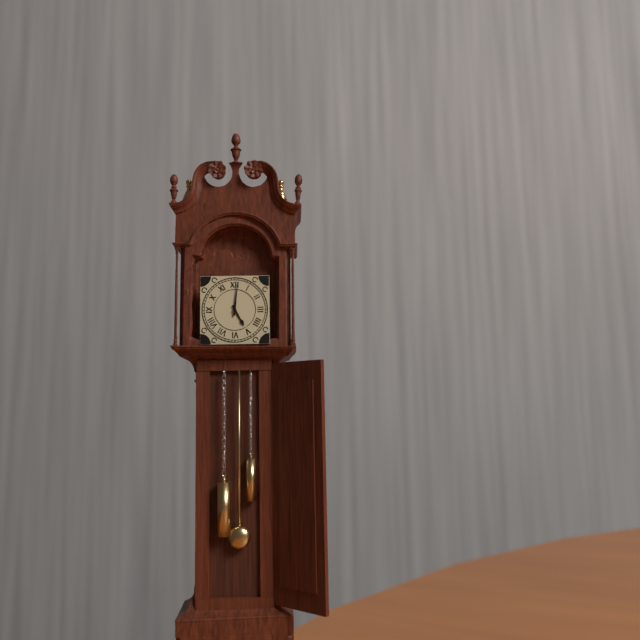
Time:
5h01
